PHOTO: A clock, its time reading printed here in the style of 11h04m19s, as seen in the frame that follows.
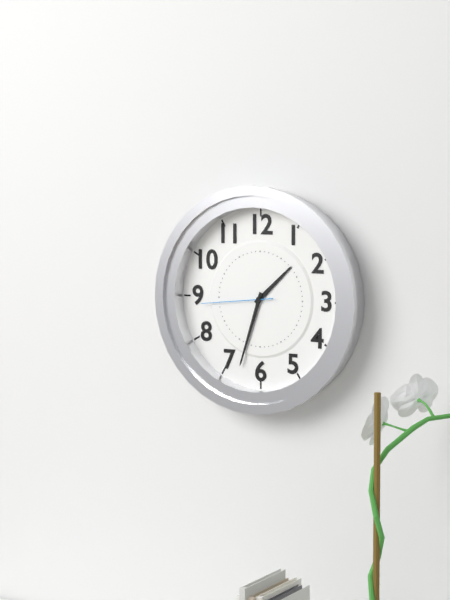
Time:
1h33m44s
